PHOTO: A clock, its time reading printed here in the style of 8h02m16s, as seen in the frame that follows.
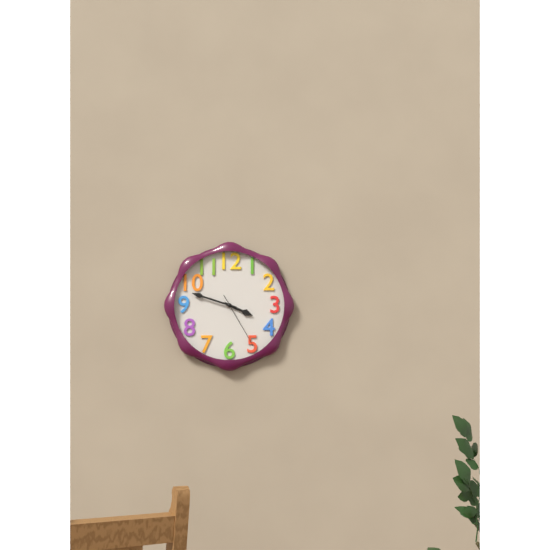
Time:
3h48m25s
